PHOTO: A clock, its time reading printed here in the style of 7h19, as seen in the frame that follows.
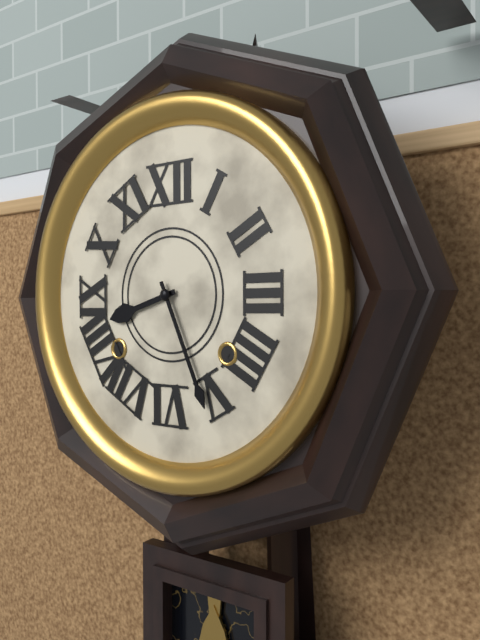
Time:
8h26
